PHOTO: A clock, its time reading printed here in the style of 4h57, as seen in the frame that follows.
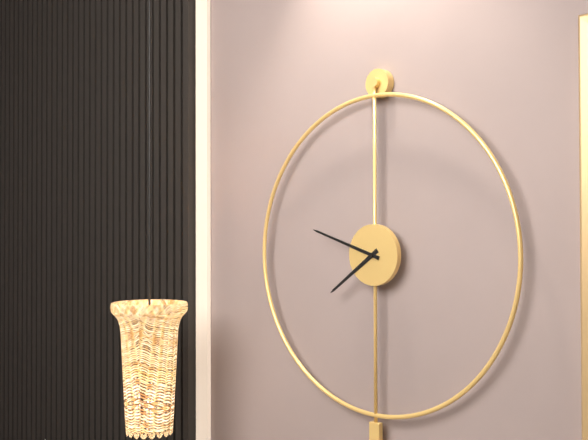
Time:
7h48
